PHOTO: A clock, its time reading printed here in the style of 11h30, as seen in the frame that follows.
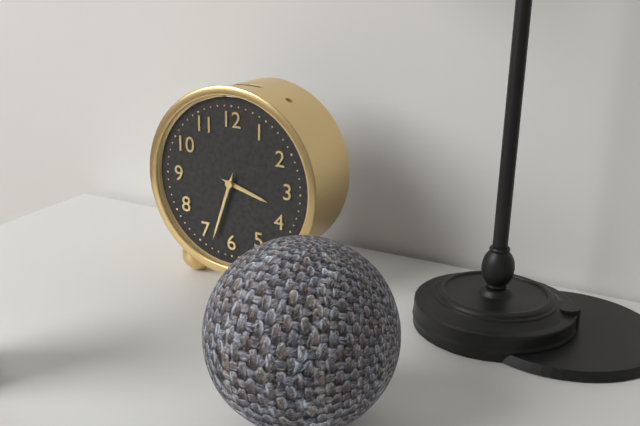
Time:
3h33
